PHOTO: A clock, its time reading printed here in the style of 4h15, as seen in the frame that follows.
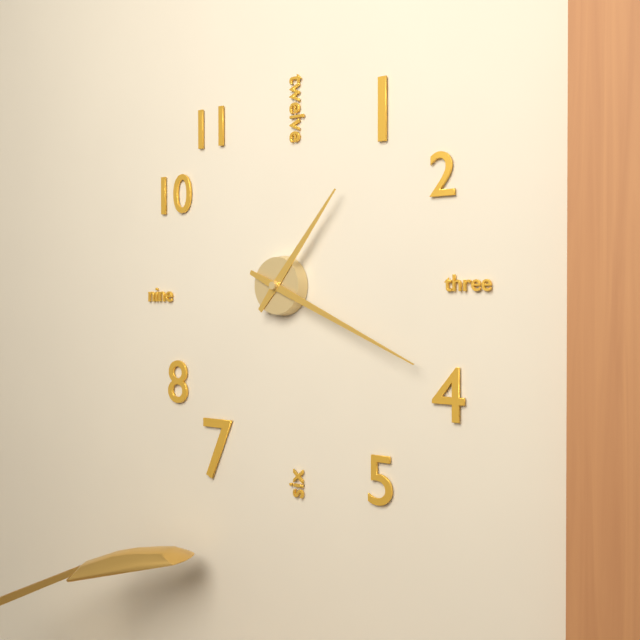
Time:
1h19
